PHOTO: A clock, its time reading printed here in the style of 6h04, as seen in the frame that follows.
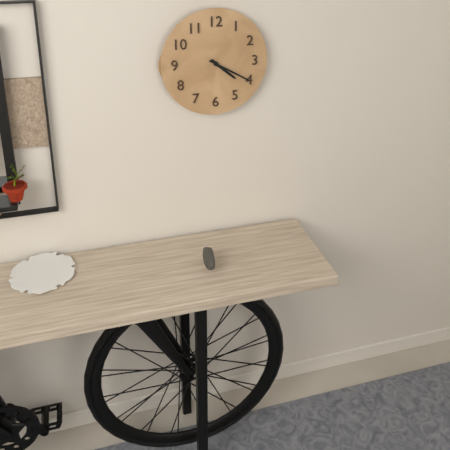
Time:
4h20
